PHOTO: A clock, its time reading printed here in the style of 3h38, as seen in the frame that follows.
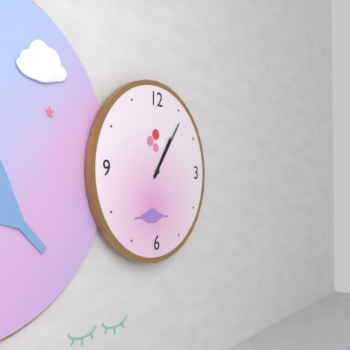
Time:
1h06
